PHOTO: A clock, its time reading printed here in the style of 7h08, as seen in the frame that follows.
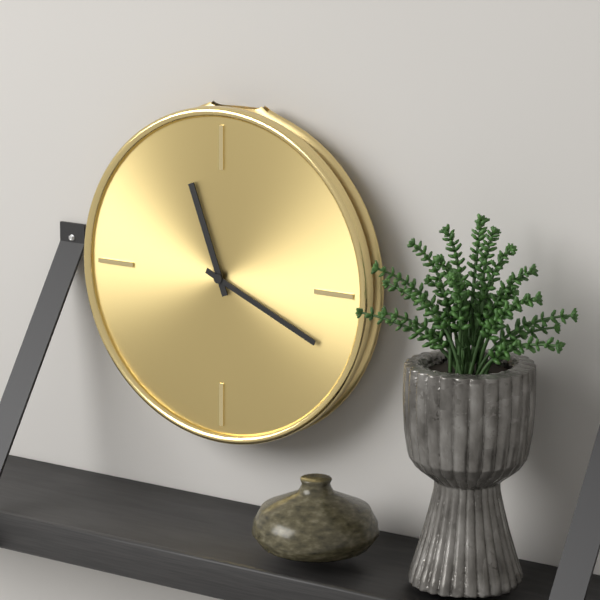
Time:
11h19
